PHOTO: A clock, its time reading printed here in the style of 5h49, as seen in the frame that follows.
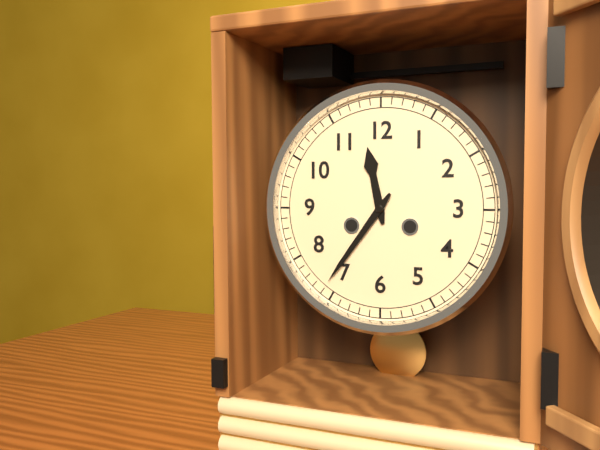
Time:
11h36
